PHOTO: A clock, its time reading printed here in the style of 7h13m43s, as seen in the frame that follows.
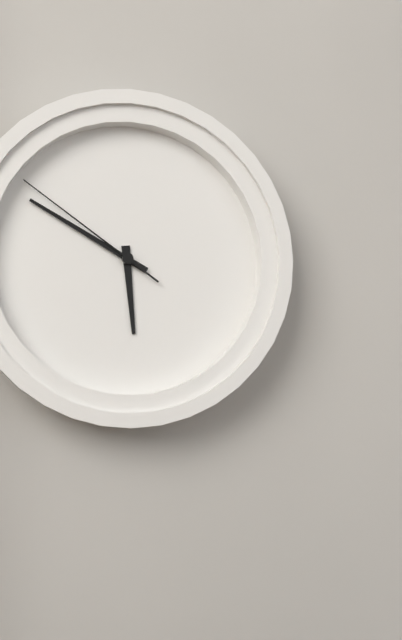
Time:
5h50m51s
